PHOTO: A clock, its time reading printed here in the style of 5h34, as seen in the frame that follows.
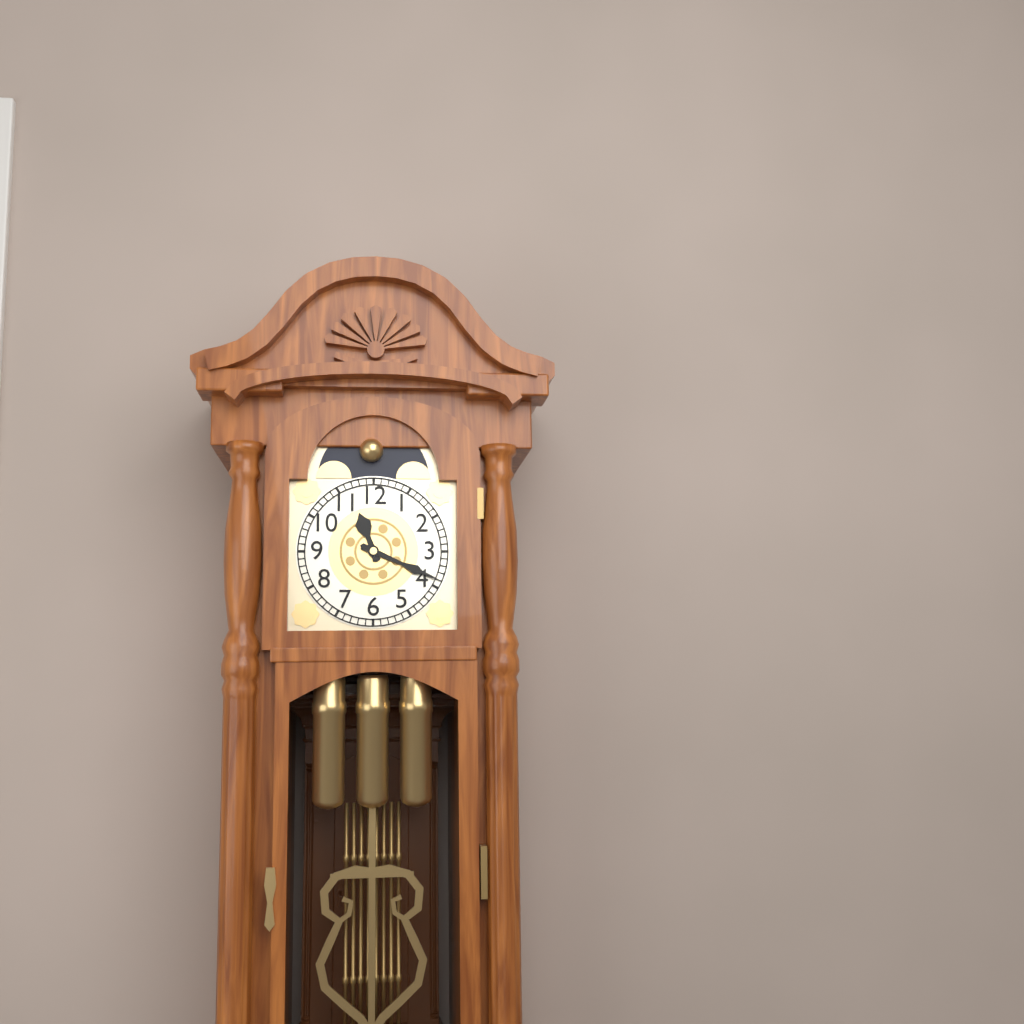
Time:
11h19
